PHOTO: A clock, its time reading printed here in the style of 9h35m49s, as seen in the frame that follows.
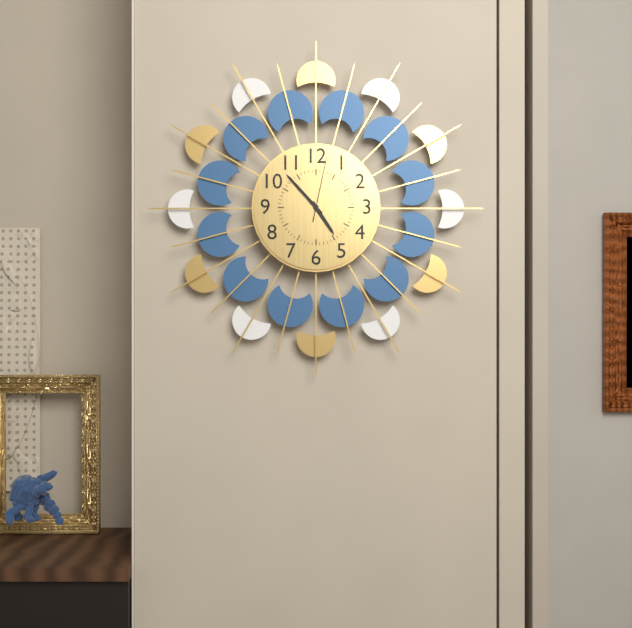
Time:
4h53m02s
